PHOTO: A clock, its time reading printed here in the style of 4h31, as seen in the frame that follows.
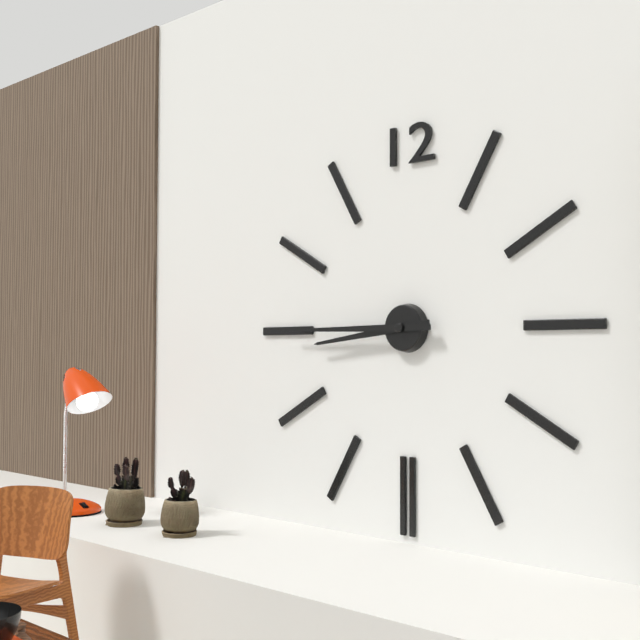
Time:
8h45
